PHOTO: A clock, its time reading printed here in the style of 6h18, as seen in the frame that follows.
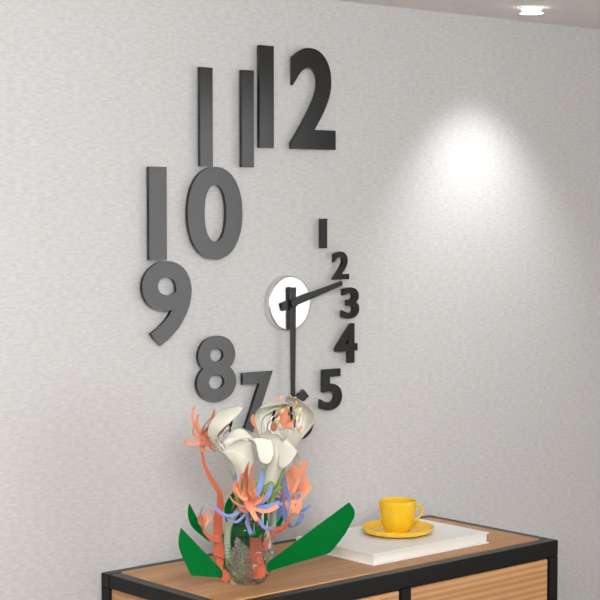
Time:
2h30
